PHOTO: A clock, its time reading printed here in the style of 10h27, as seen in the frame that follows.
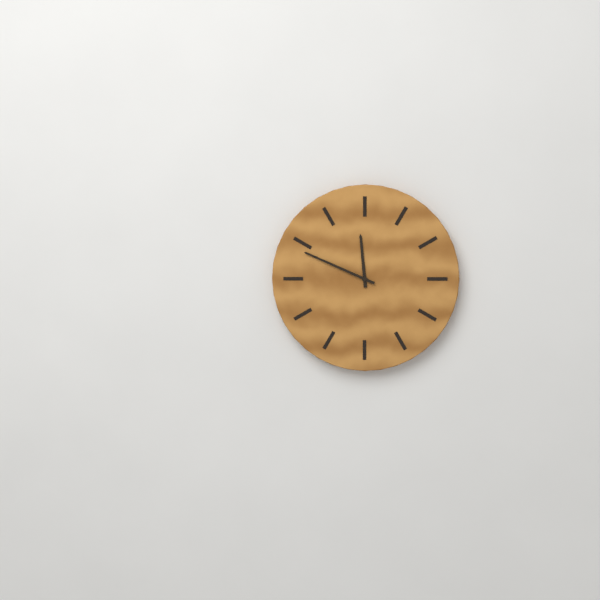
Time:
11h49
